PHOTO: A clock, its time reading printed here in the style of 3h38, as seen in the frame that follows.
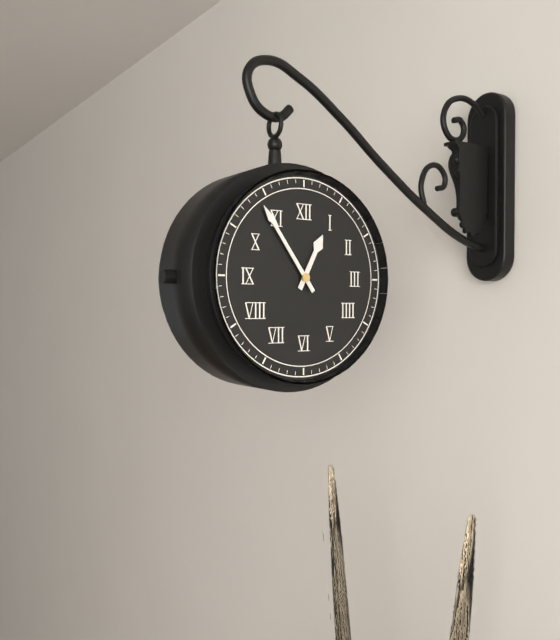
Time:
12h54
